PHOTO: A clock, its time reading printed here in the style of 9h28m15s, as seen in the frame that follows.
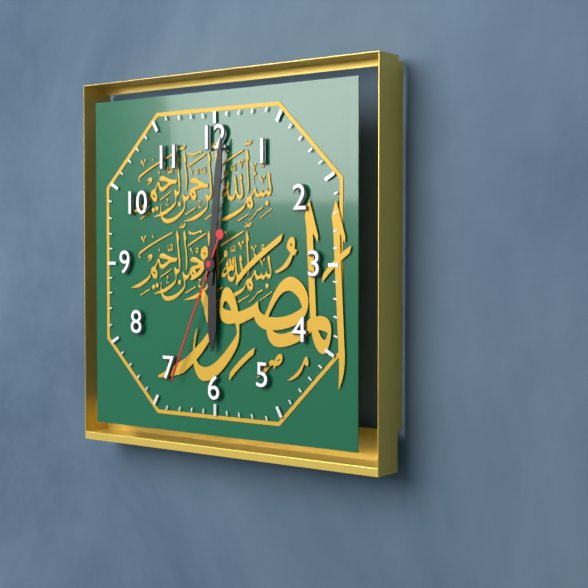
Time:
6h01m34s
